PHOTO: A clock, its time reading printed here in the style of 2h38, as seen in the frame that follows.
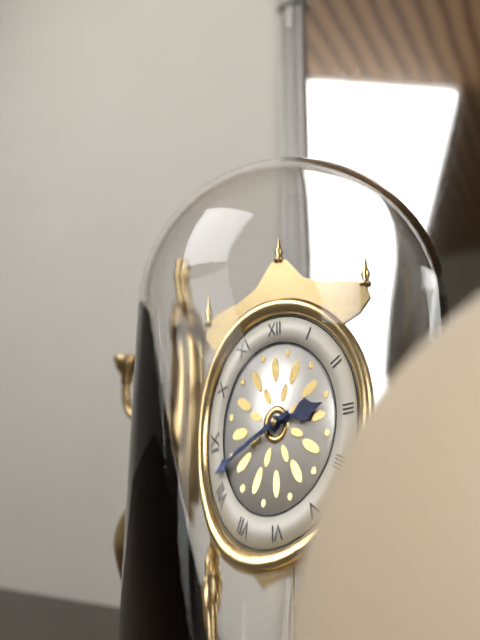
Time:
2h42
